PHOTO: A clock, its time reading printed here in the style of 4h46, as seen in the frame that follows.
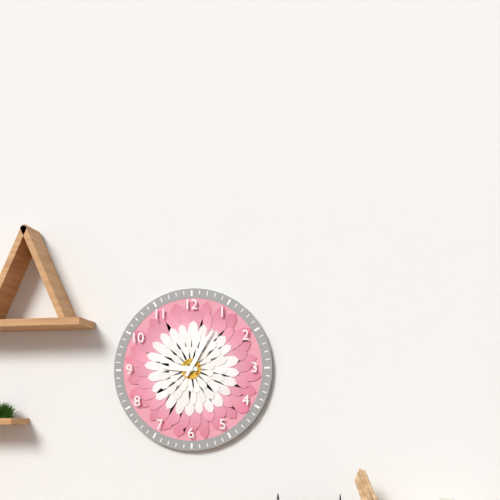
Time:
9h05
